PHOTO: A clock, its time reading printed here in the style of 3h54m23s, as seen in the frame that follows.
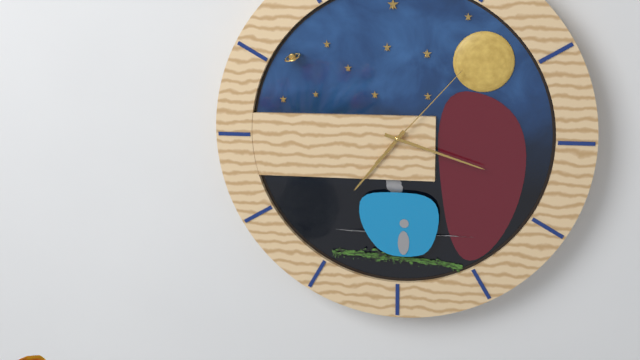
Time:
7h18m07s
